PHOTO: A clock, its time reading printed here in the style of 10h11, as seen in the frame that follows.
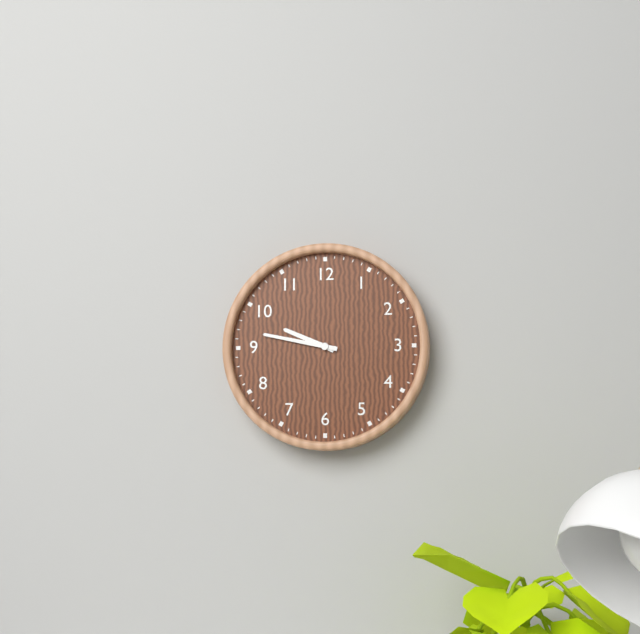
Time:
9h47
